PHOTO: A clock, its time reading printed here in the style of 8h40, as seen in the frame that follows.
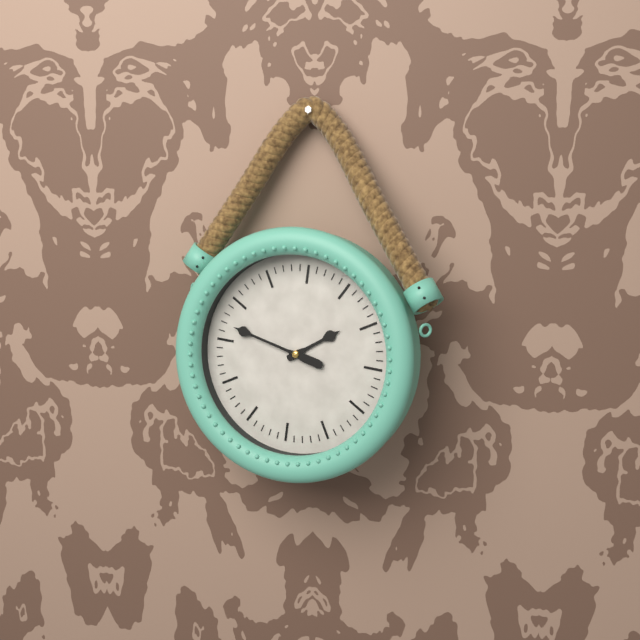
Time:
1h47
